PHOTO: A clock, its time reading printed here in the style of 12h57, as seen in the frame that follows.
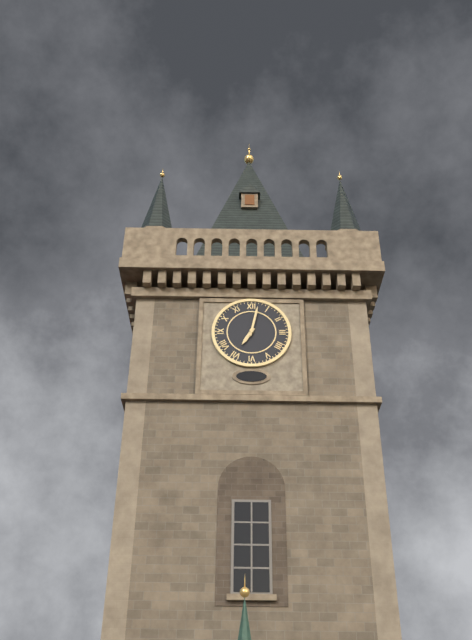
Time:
7h02
